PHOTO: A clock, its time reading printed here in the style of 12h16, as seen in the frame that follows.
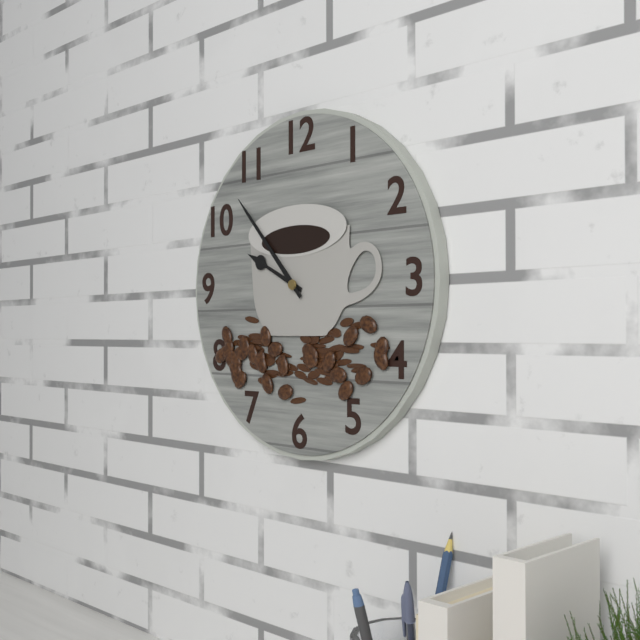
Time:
9h53
